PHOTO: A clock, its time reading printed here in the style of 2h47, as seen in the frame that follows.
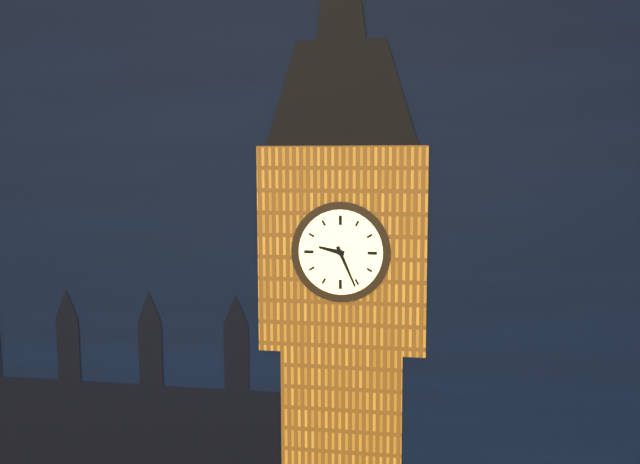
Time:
9h26
